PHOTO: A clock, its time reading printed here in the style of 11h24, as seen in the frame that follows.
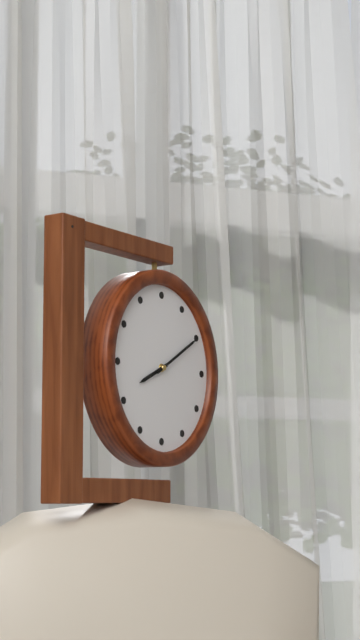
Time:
8h10
